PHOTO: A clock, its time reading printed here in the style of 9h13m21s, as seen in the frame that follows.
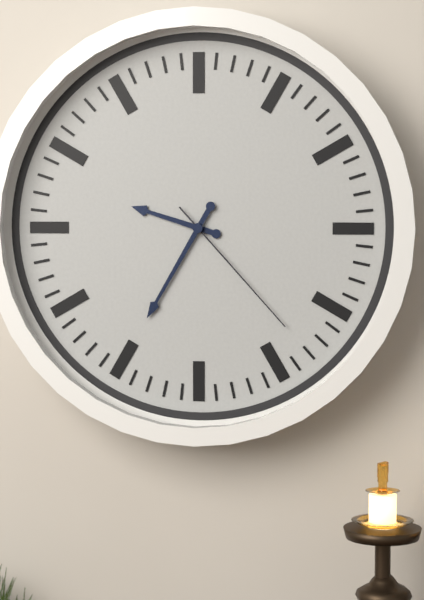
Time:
9h35m23s
